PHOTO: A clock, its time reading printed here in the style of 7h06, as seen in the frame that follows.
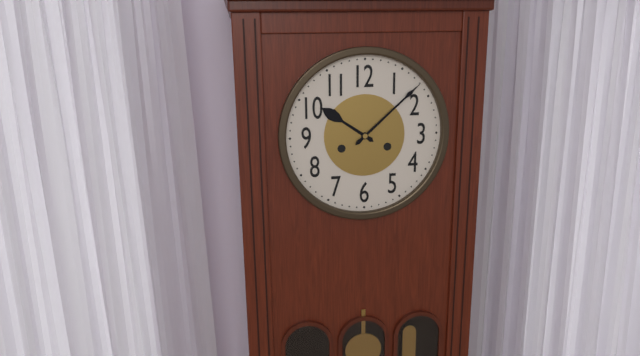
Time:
10h08
